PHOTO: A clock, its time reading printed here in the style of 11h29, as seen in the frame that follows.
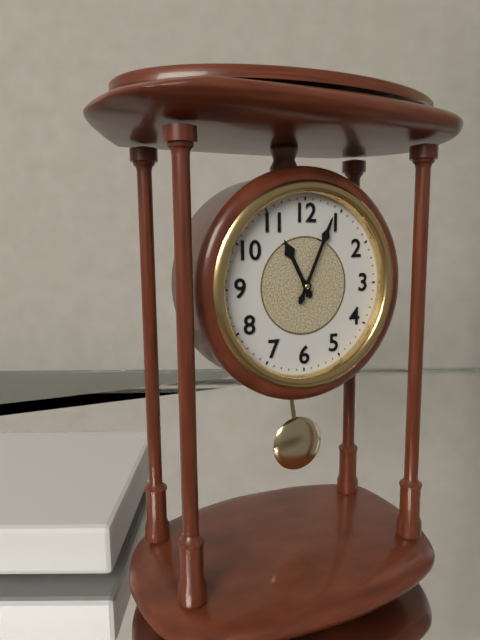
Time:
11h04
